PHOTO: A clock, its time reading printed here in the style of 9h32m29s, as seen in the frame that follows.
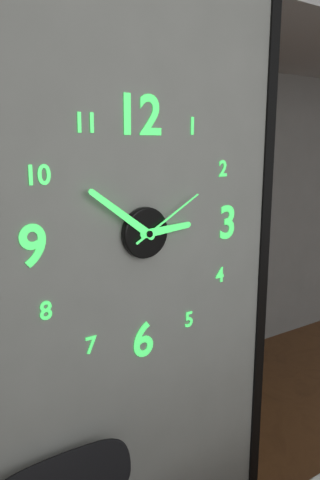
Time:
2h51m10s
